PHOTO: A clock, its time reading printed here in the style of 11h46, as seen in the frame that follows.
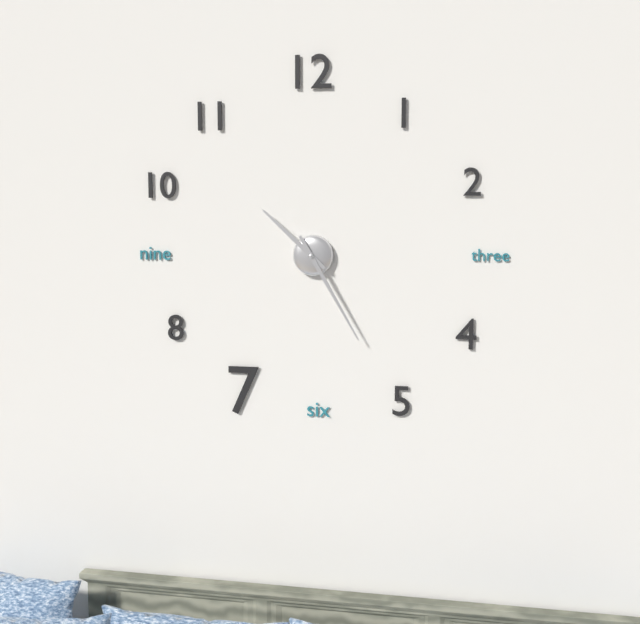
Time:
10h25
